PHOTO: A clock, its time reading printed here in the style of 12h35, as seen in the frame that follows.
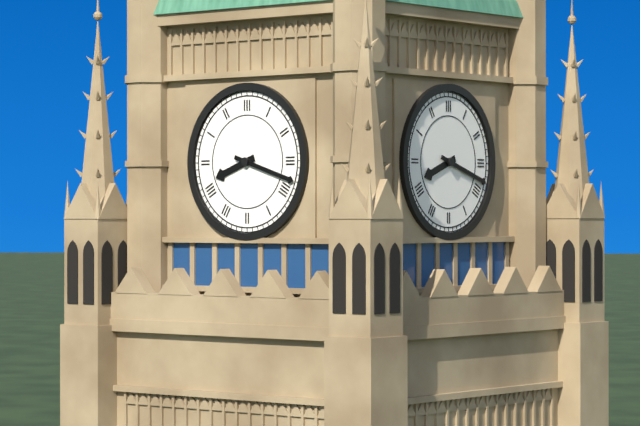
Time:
8h18
